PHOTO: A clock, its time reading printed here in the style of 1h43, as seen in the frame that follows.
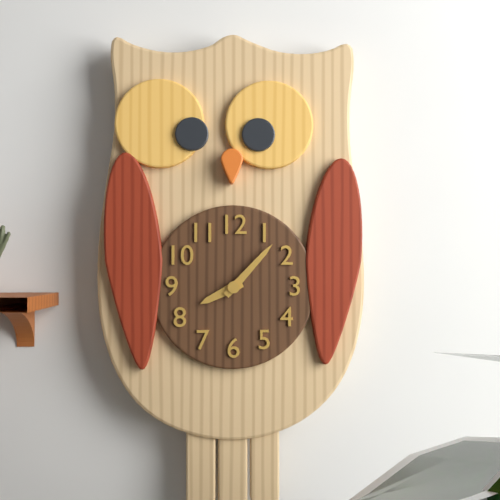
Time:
8h07
